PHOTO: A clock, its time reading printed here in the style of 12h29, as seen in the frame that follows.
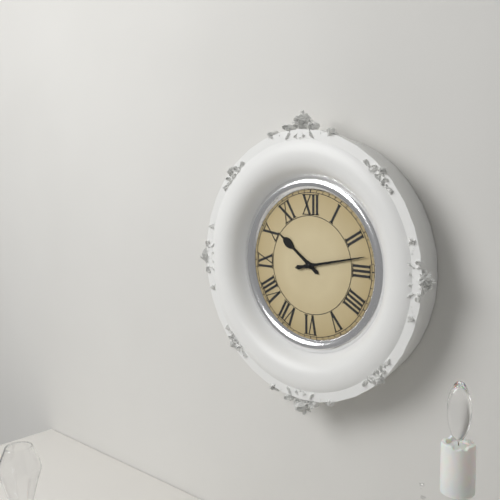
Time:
10h13
